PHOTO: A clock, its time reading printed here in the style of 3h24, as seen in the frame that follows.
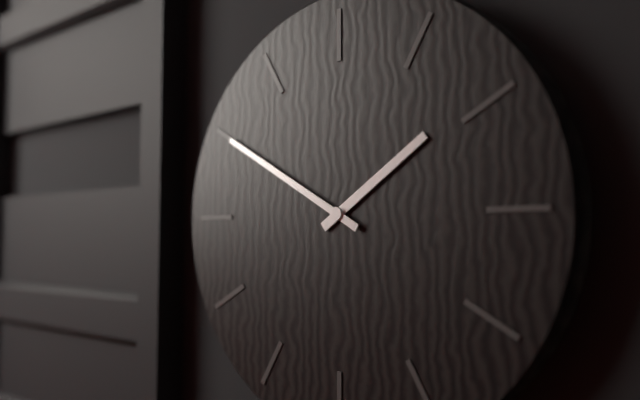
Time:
1h50
